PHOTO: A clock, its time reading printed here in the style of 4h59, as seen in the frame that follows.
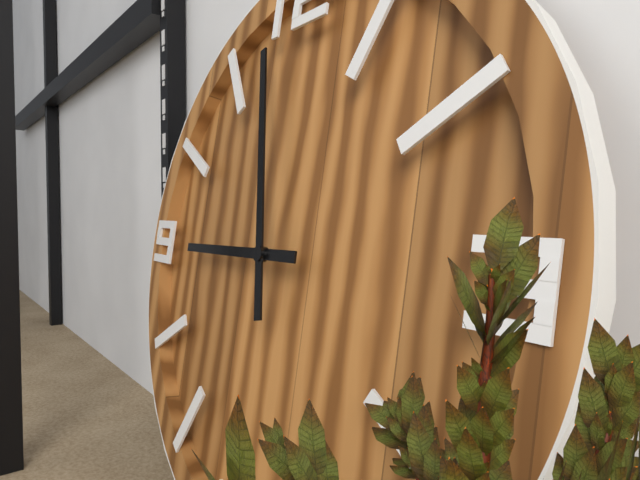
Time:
8h58
